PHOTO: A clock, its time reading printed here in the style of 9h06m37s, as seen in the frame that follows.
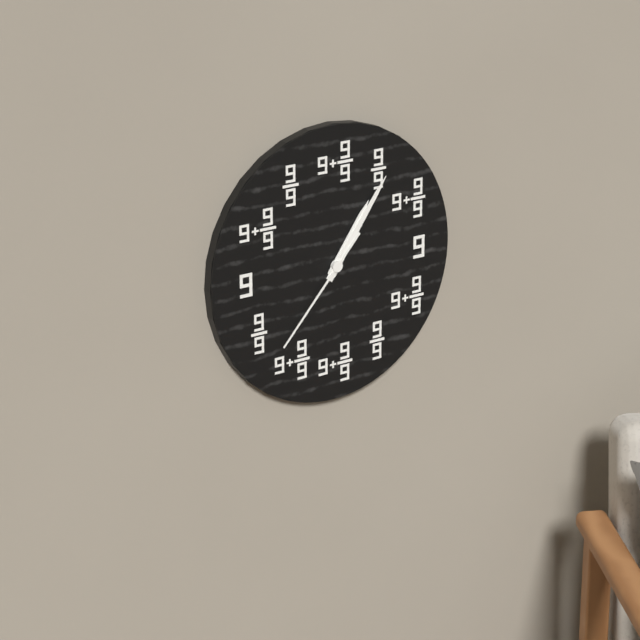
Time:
1h06m37s
